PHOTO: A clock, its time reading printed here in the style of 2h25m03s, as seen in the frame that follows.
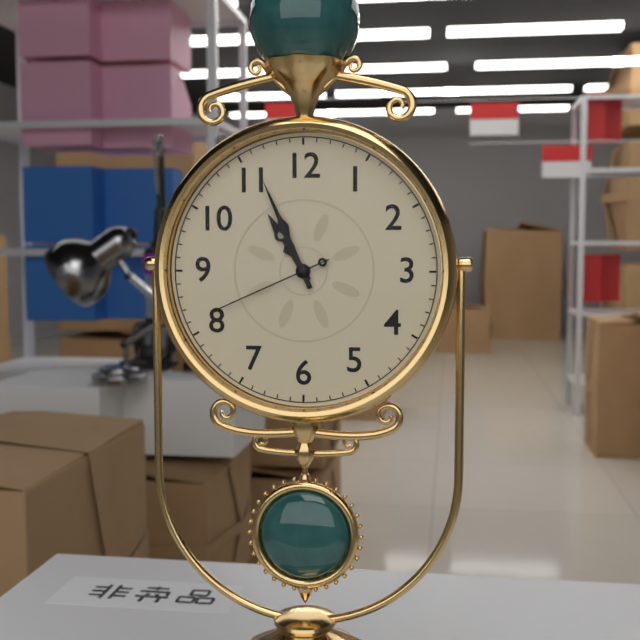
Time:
10h56m41s
